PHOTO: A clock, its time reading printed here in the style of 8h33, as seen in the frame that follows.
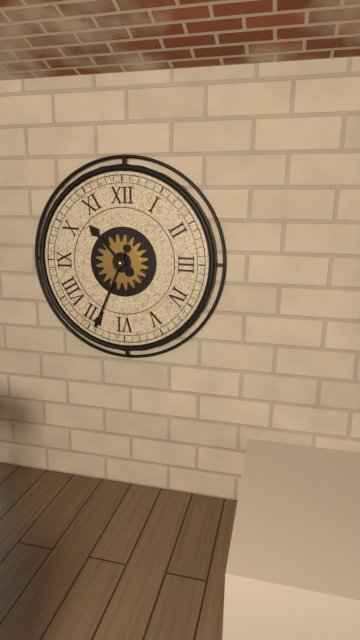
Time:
10h34
